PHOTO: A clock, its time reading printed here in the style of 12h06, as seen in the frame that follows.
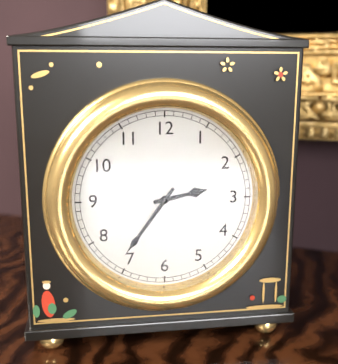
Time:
2h36
